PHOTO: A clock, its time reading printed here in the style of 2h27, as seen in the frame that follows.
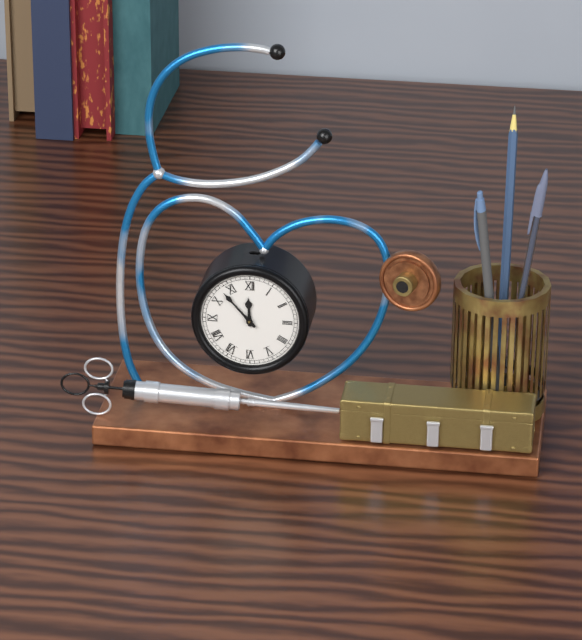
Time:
11h53
